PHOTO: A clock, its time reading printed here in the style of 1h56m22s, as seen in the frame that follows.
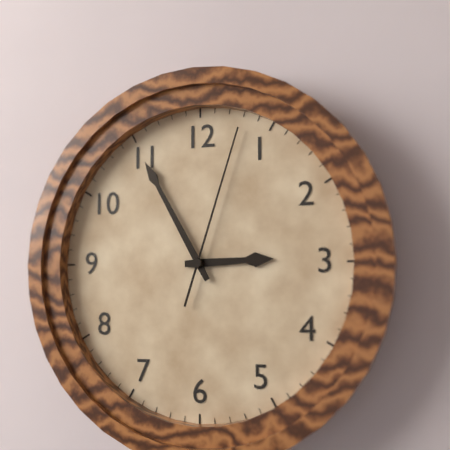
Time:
2h55m03s
